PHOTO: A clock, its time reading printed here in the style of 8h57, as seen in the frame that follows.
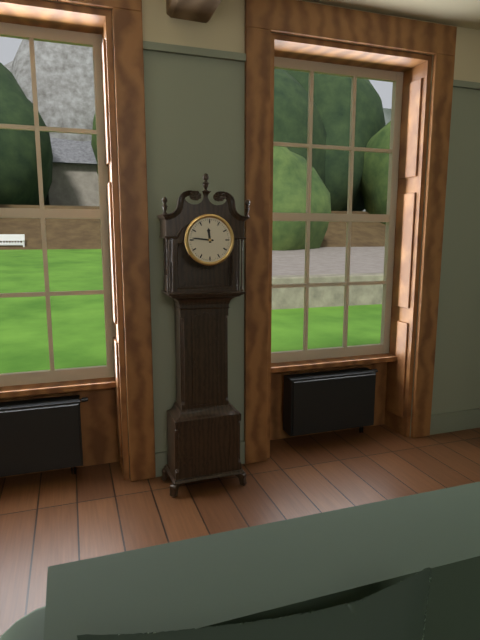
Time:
11h46
